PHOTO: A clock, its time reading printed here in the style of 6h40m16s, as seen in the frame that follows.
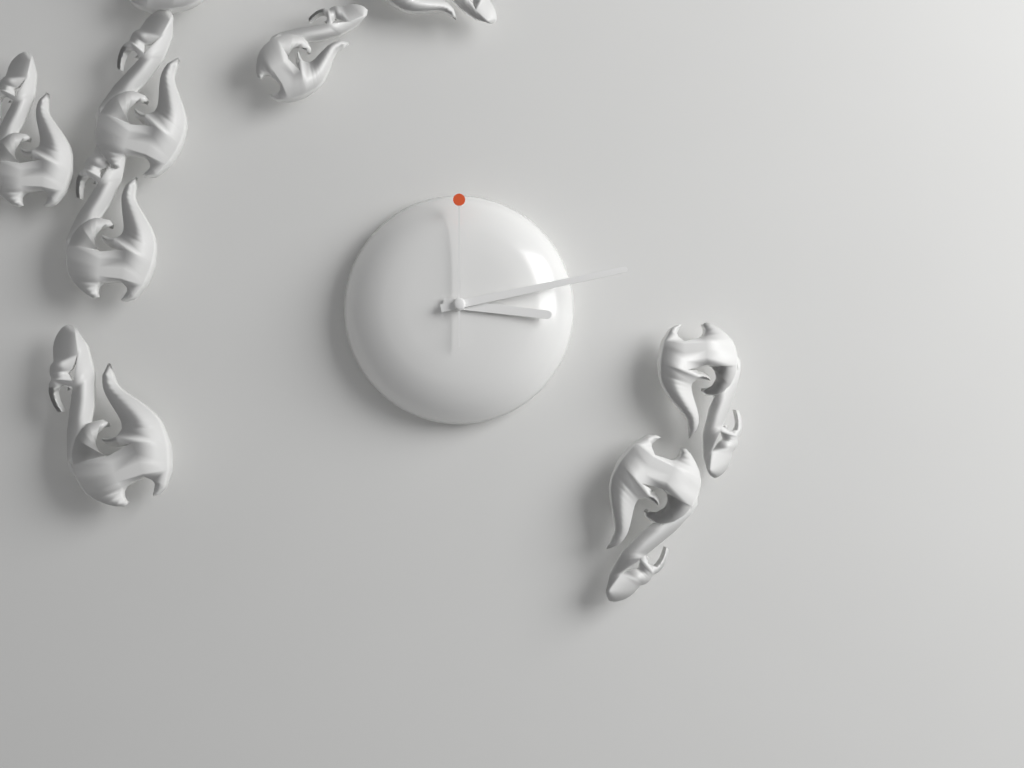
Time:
3h13m00s
